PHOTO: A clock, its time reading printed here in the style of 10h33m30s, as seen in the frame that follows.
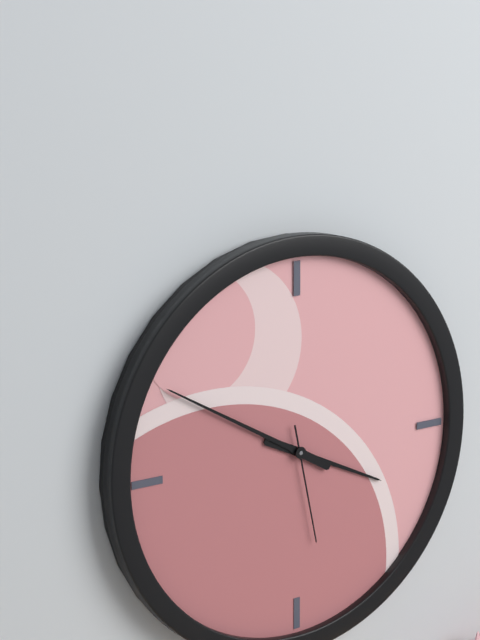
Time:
3h50m28s
